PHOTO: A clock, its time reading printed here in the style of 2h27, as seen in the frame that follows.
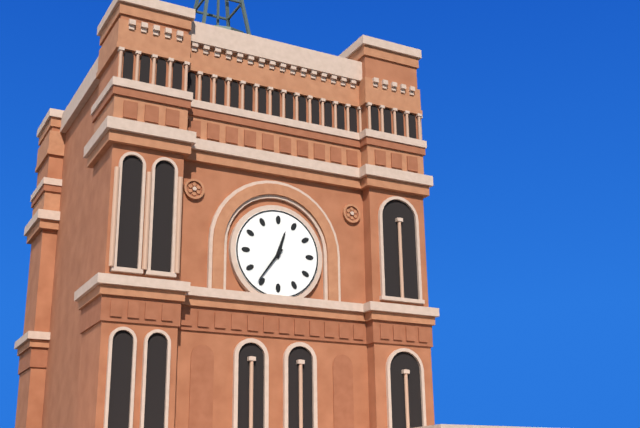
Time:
12h36
